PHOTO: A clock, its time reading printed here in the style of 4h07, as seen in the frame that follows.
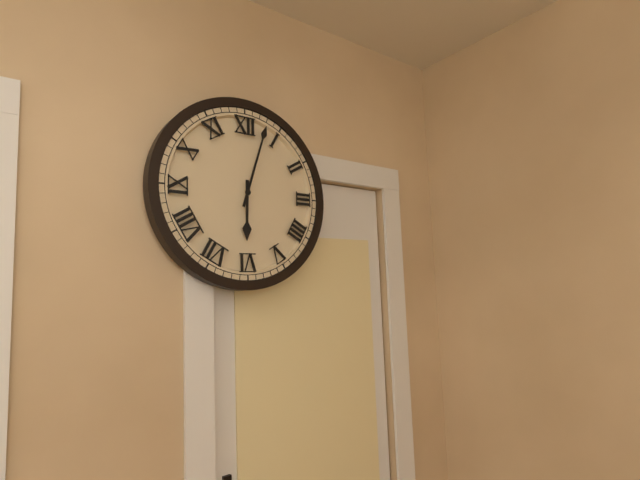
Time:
6h03
